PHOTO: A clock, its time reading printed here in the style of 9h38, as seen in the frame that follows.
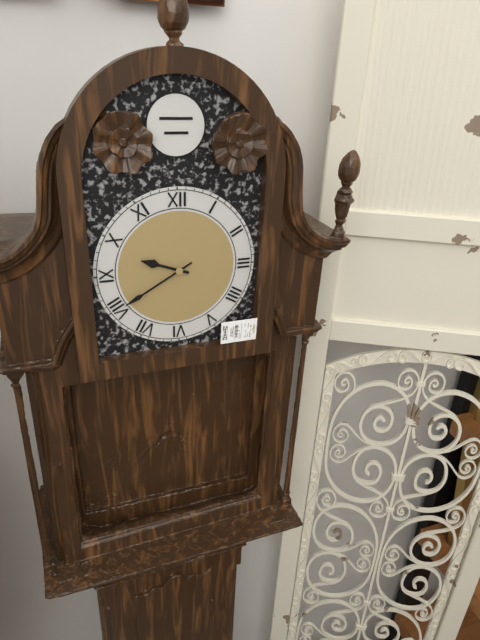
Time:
9h40
